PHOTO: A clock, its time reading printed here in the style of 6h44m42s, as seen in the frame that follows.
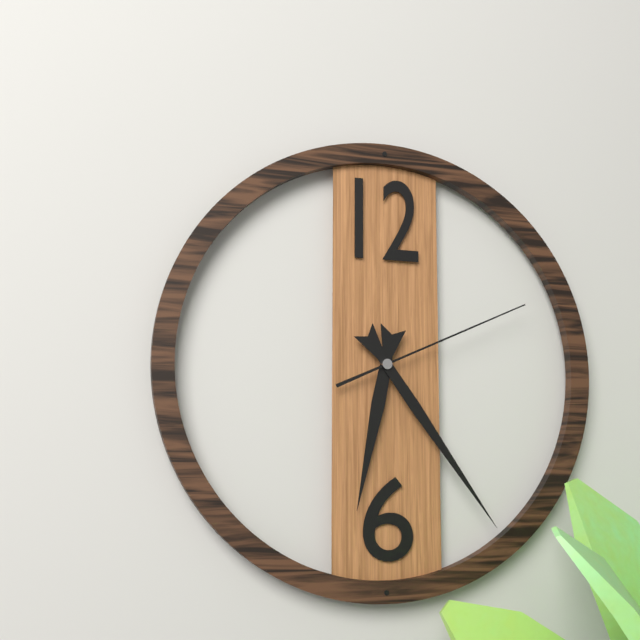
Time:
6h24m11s
